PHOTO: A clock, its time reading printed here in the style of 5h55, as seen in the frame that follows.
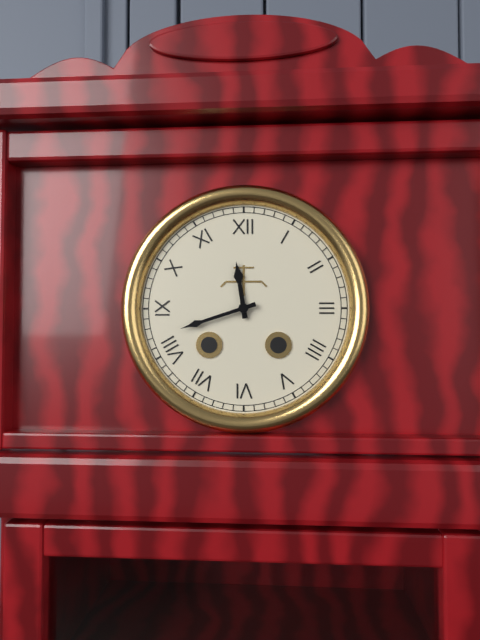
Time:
11h42
